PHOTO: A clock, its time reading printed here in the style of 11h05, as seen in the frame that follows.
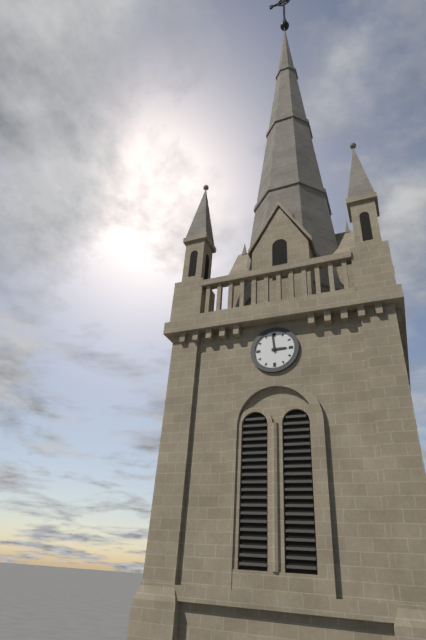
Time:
2h59
